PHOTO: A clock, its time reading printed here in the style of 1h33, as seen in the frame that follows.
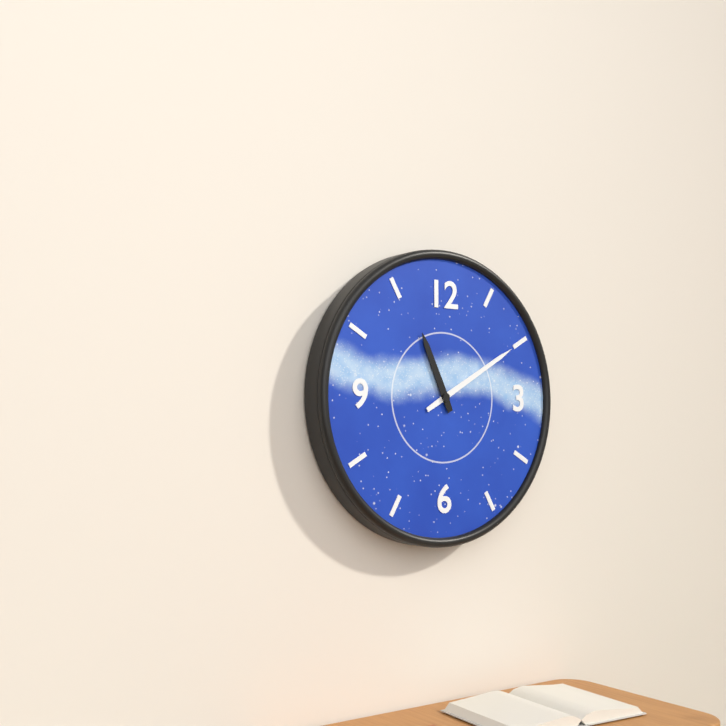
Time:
11h10
